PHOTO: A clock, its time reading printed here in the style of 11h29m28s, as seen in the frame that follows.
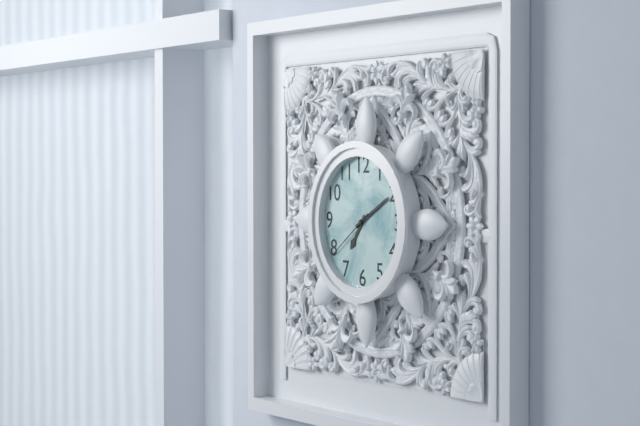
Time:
7h10m39s
